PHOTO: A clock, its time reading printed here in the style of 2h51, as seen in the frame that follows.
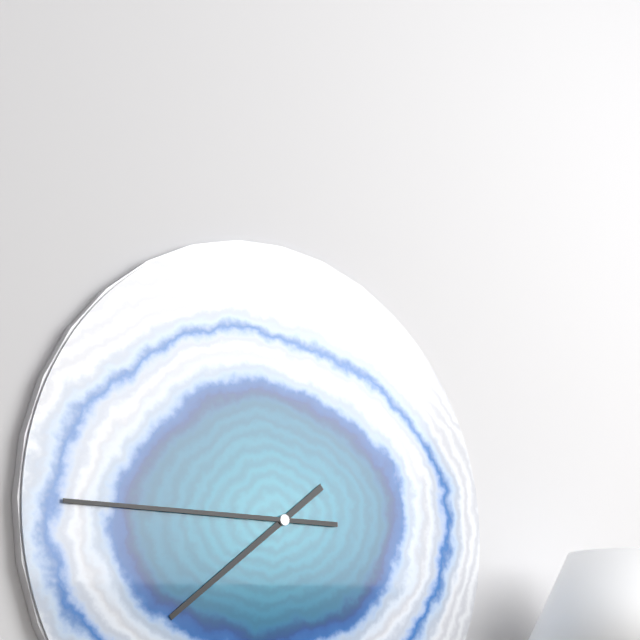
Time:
7h45
